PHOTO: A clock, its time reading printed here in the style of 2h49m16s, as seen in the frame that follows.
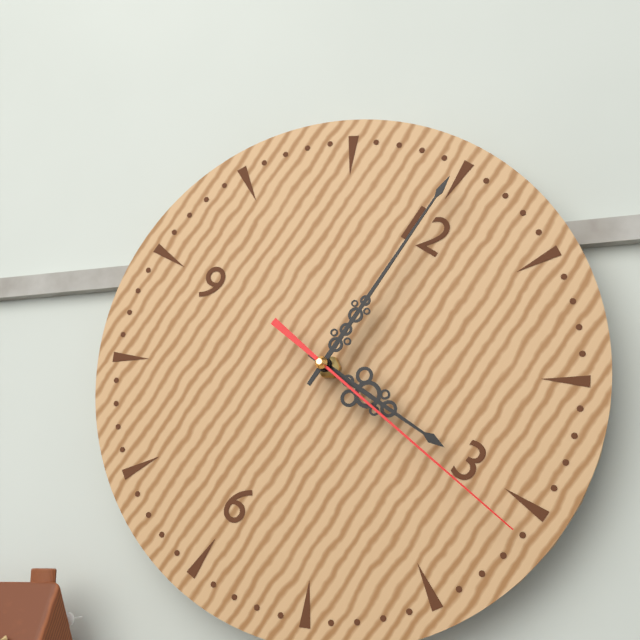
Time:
3h00m16s
